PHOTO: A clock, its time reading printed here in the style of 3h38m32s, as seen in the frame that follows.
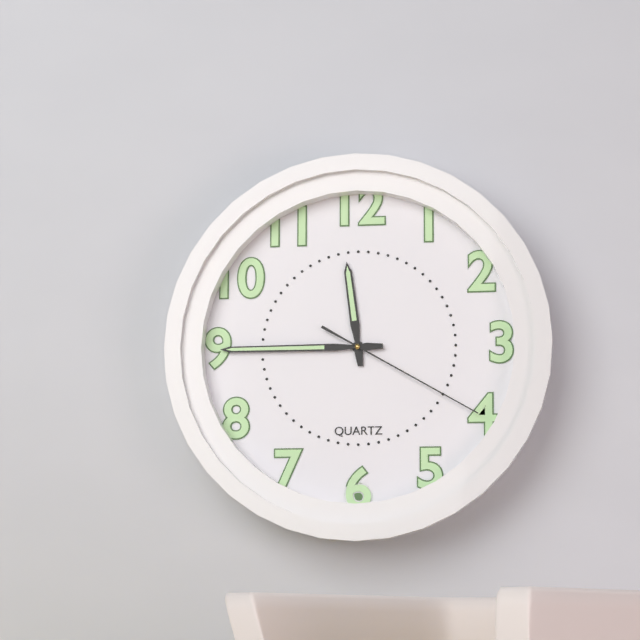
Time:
11h45m20s
